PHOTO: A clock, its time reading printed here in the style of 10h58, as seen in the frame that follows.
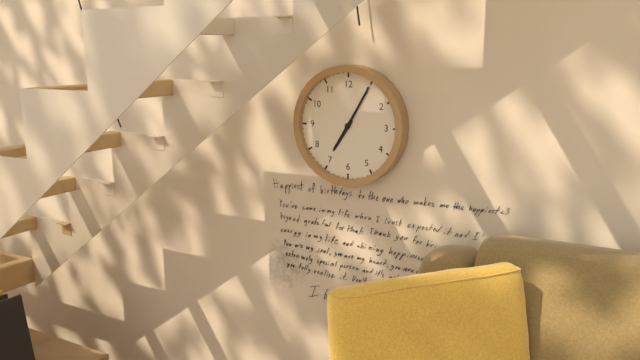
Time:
7h05
